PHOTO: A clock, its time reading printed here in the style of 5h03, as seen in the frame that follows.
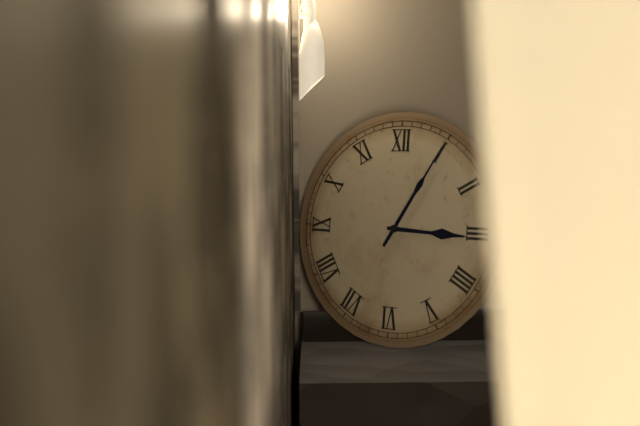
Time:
3h05
